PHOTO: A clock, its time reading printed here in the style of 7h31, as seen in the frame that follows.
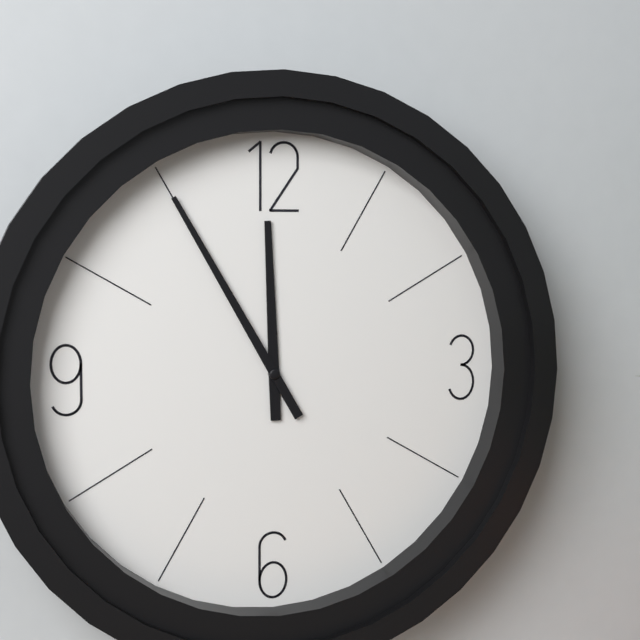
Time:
11h55
